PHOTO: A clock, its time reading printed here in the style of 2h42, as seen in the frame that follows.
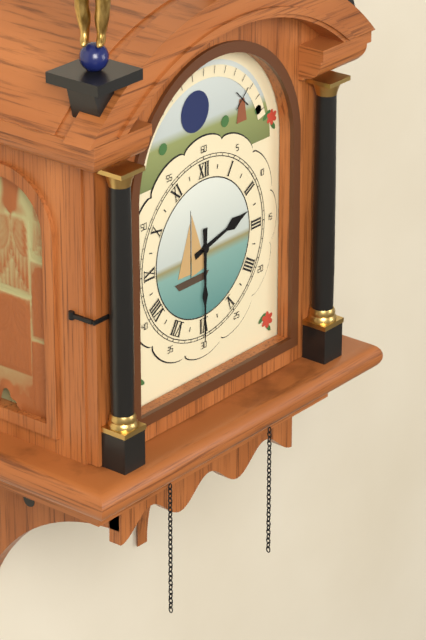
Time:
2h30
